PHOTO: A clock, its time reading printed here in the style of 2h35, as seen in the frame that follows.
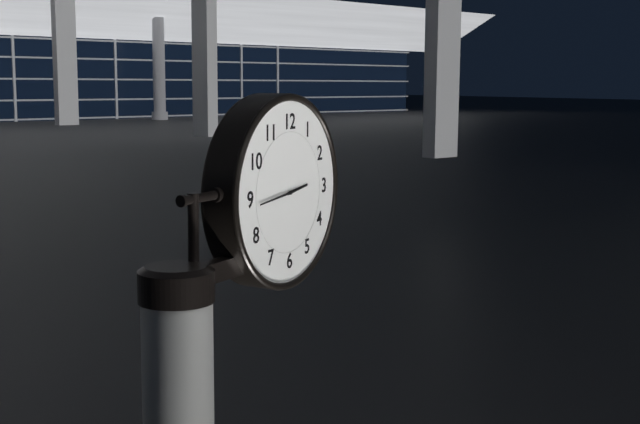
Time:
2h44
